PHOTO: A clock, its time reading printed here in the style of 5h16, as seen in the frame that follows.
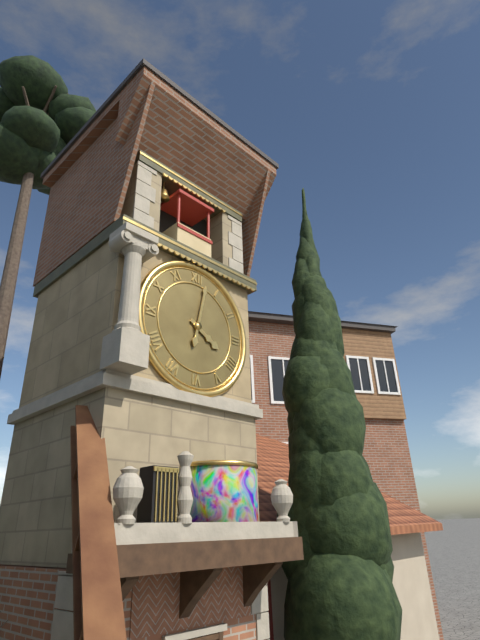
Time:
4h02
